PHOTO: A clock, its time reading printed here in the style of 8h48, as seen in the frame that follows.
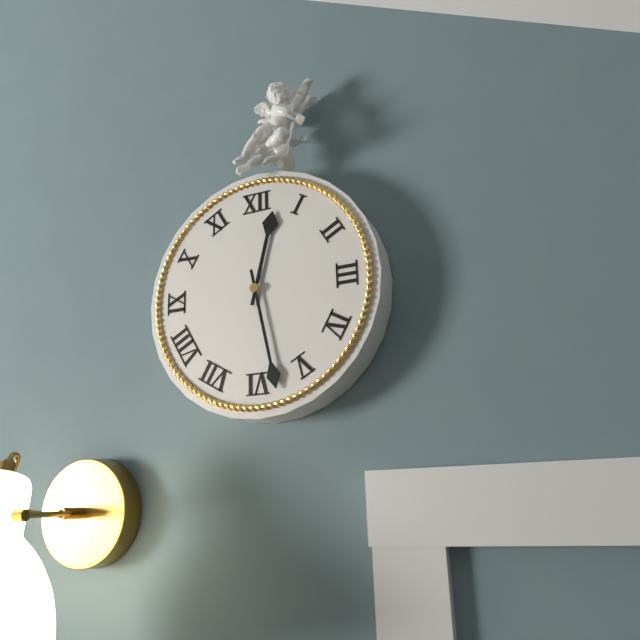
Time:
12h28
